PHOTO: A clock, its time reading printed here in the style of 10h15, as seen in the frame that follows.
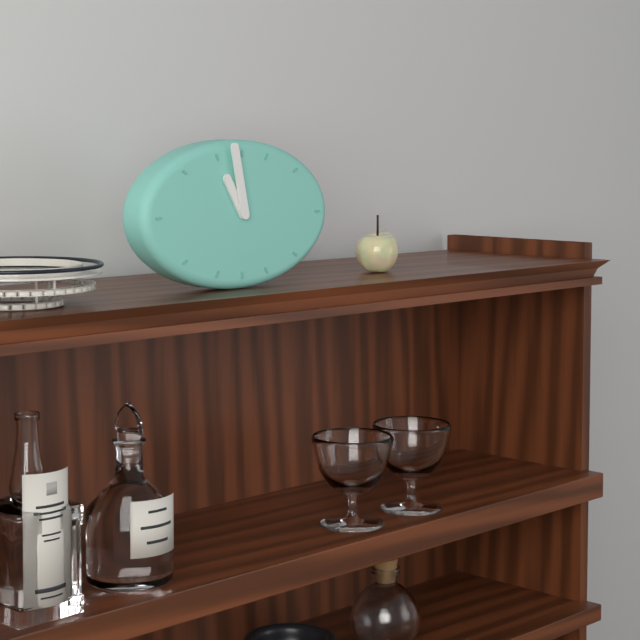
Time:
10h58
